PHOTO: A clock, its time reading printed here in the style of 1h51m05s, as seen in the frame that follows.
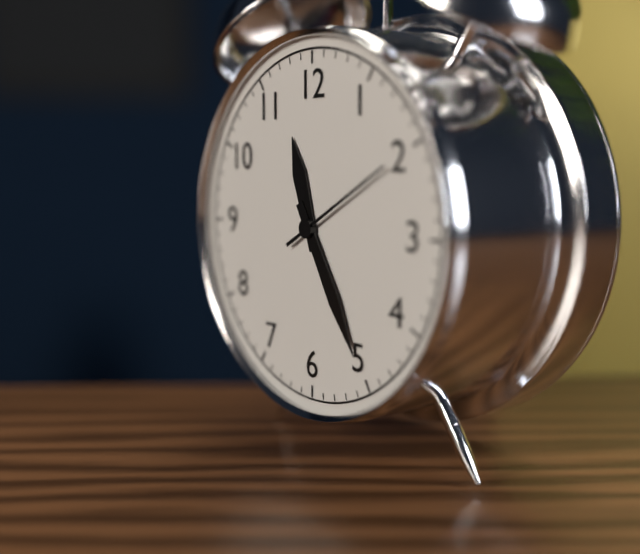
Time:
11h25m10s
